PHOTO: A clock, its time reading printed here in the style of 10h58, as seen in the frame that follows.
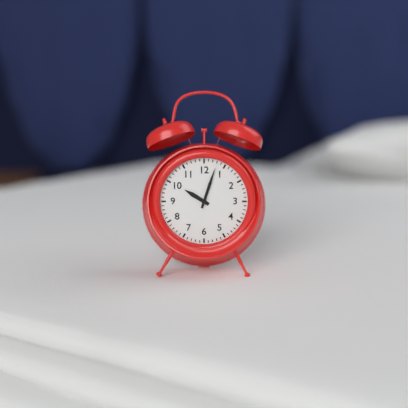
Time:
10h03
